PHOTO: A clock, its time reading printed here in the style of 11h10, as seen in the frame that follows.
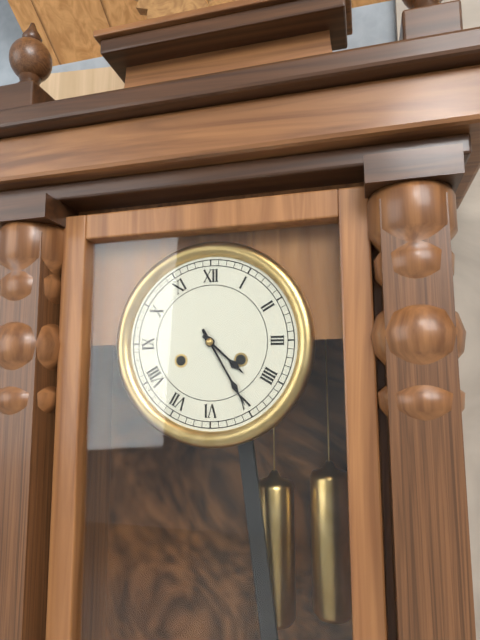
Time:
4h25
